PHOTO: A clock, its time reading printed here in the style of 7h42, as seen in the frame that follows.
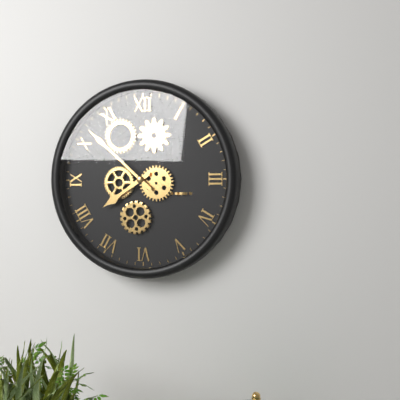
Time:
7h52
